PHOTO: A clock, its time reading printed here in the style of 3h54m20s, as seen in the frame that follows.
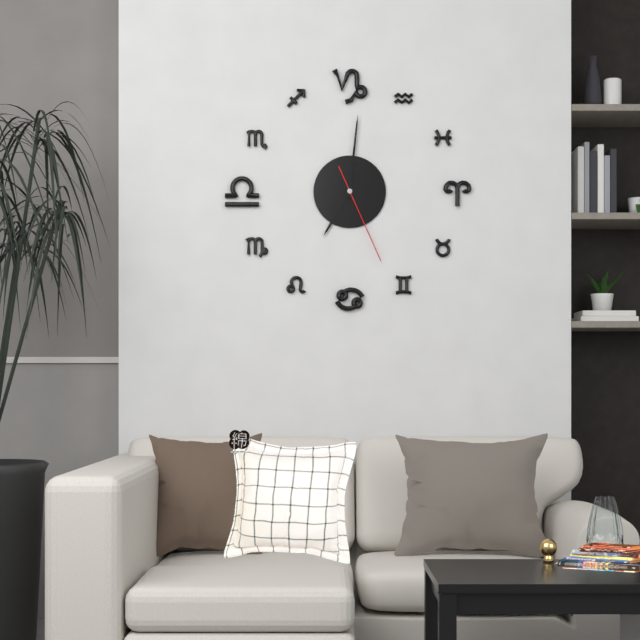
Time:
7h01m26s
